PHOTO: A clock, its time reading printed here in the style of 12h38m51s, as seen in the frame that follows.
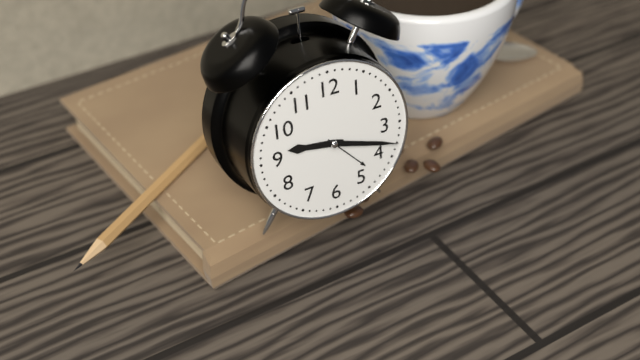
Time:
9h18m18s
